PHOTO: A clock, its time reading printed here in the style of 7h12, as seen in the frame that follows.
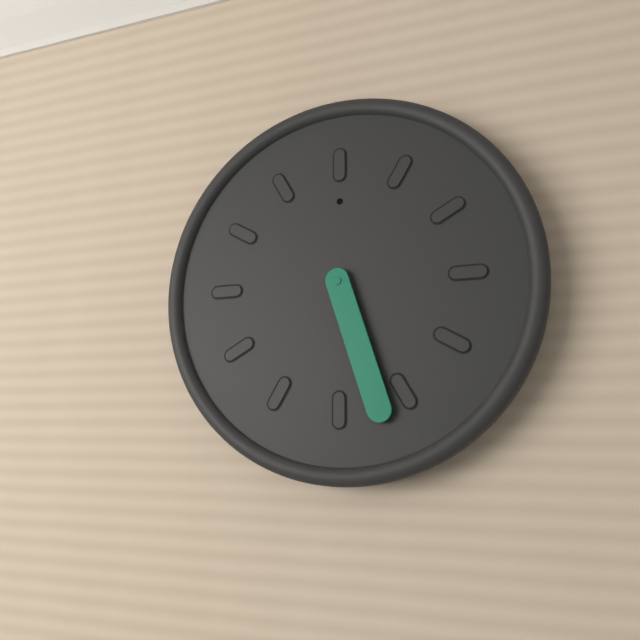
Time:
5h27
